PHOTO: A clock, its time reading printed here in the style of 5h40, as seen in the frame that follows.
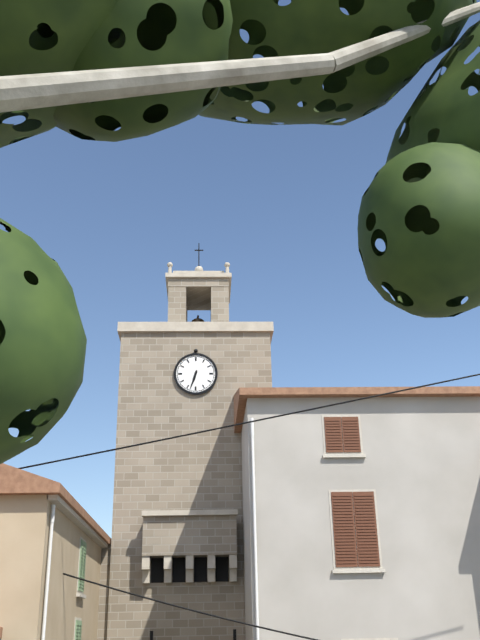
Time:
6h33
